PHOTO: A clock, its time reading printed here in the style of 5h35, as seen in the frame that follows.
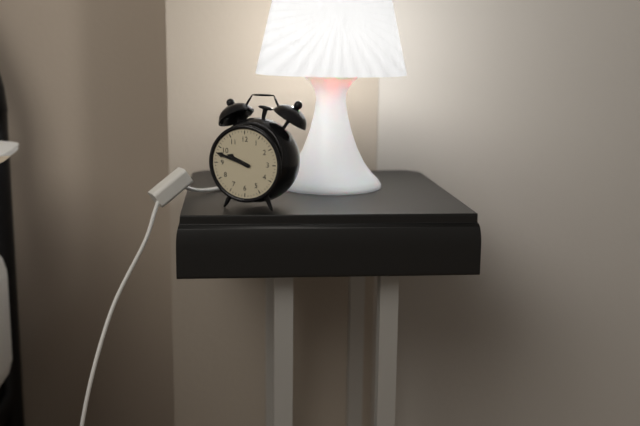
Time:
9h48
